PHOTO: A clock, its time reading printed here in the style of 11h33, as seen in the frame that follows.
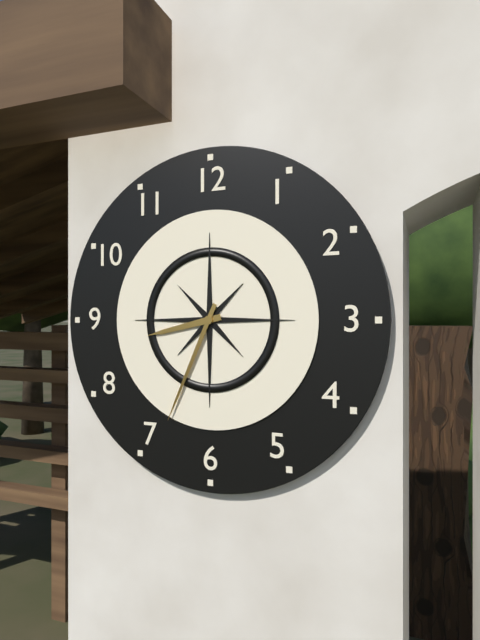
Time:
8h34
